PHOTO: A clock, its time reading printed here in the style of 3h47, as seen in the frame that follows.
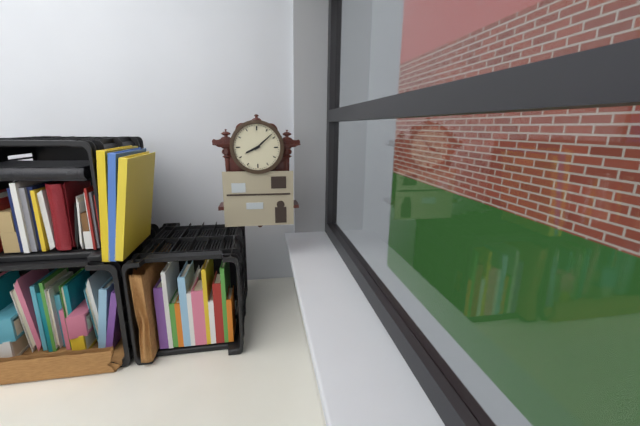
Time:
8h08
